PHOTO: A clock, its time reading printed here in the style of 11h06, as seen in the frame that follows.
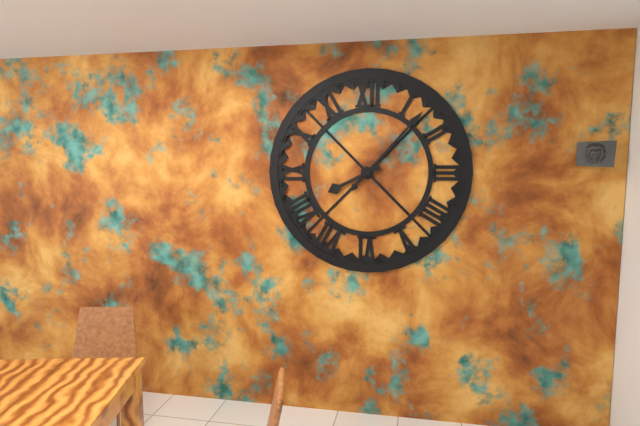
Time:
8h07
